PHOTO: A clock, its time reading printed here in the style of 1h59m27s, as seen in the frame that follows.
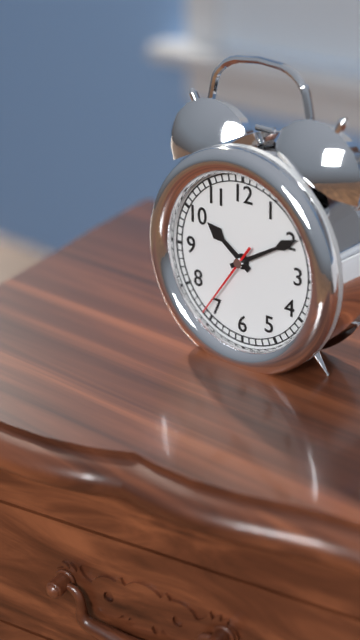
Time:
10h10m36s
